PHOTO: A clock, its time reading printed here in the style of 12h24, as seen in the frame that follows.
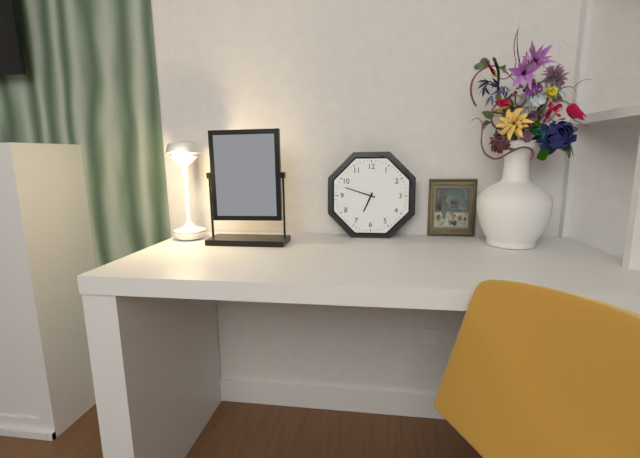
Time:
6h48
